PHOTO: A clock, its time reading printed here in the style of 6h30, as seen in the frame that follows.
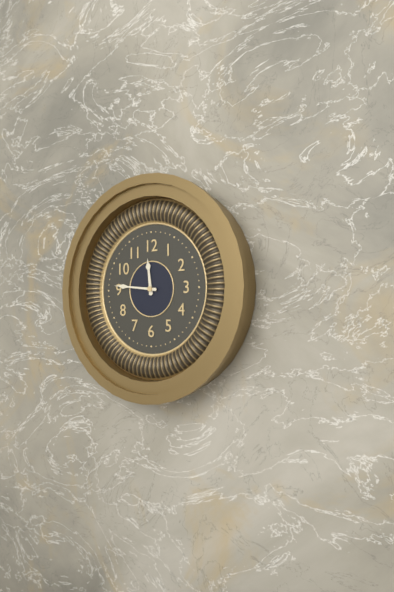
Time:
11h46
